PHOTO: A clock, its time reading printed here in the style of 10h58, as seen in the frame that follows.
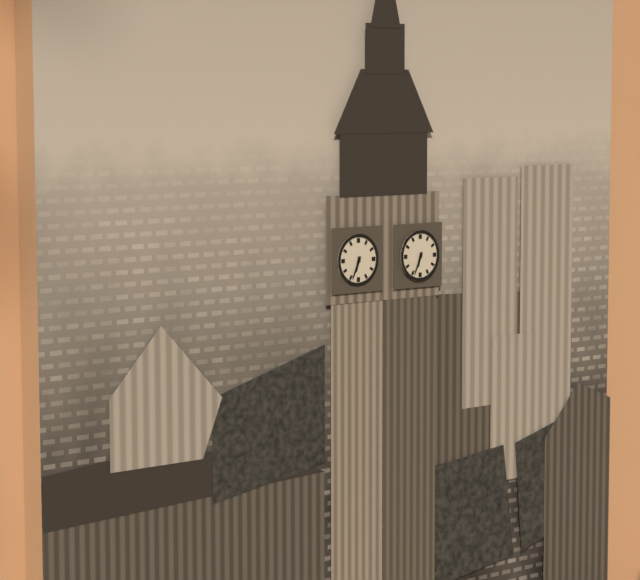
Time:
6h34
